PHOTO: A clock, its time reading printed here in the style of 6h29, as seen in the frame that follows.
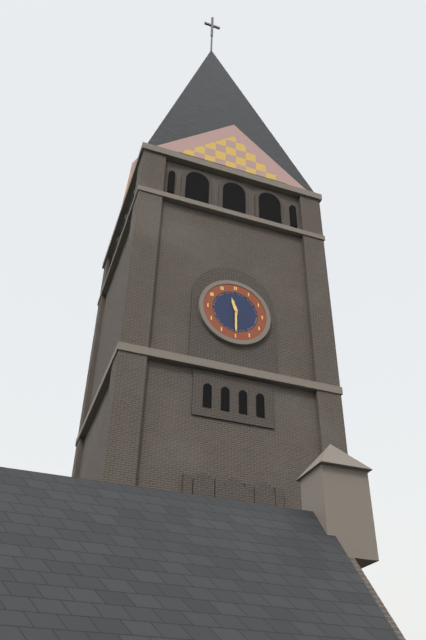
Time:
11h30
